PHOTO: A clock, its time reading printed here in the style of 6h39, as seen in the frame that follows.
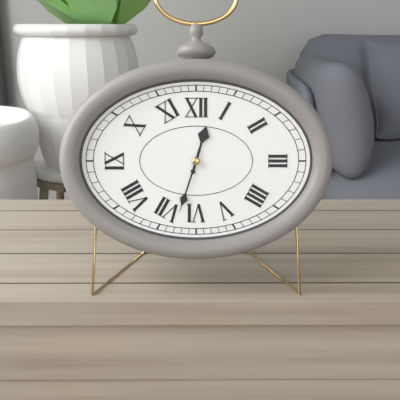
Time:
12h33
